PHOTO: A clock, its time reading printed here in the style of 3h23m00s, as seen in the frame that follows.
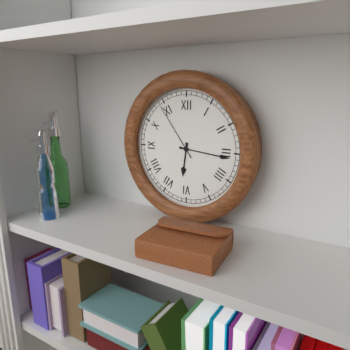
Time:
6h16m54s
